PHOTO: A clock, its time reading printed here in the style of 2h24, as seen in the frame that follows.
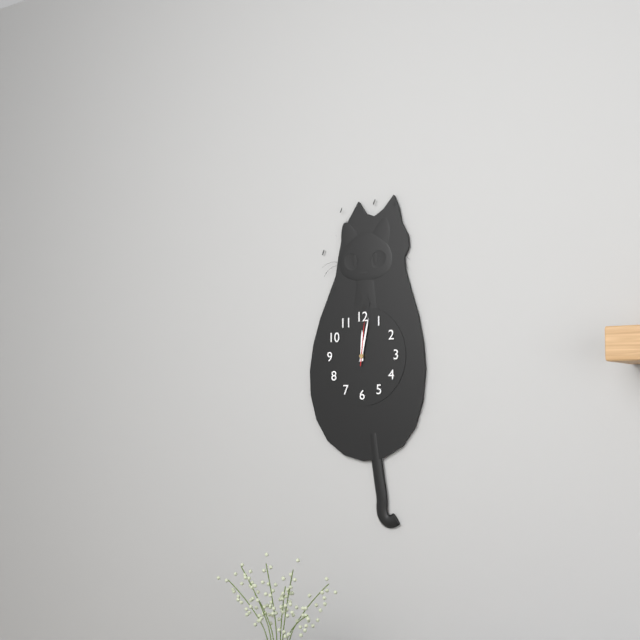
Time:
12h02
